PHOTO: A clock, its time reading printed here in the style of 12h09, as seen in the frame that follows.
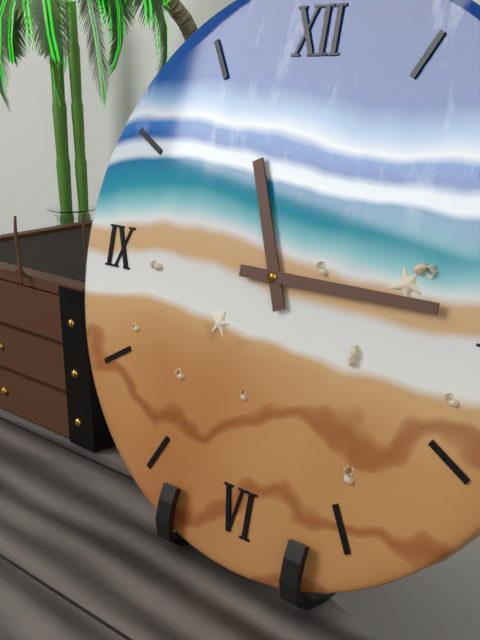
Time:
11h15
